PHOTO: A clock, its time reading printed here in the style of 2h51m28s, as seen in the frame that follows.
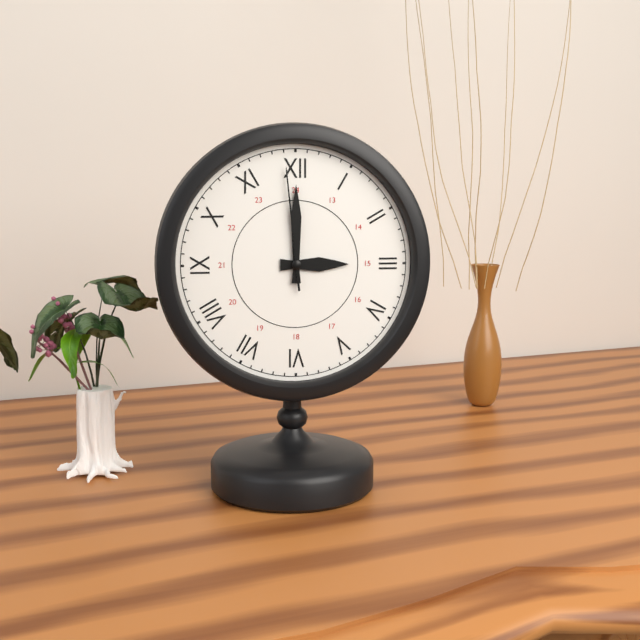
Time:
3h00m59s
